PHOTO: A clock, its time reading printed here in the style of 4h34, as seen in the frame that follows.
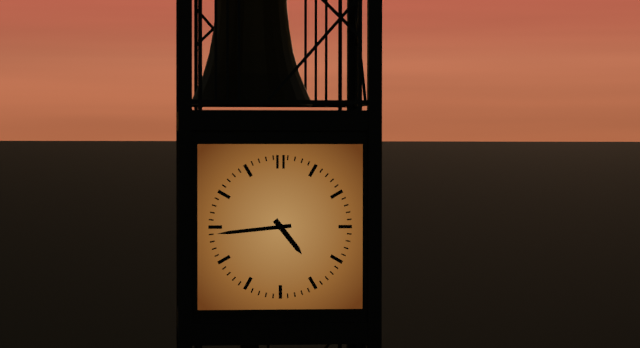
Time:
4h44
